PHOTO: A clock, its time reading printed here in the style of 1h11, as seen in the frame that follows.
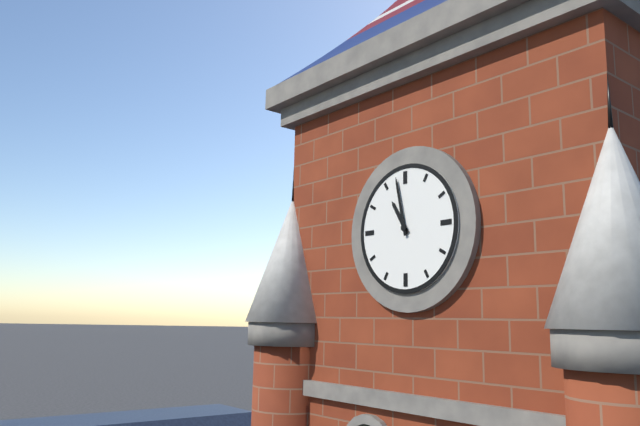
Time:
10h58
